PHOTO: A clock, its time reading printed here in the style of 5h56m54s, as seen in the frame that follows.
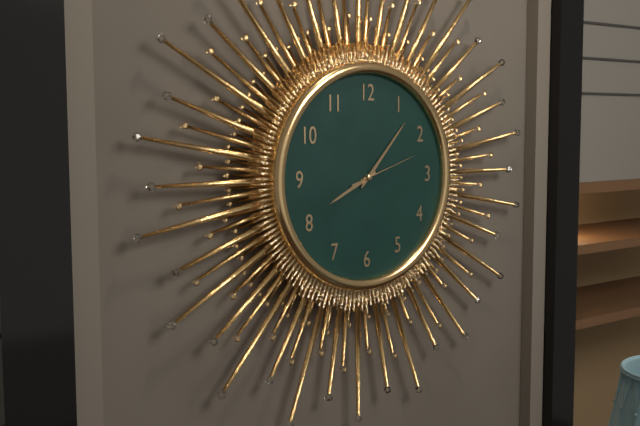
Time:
8h07m12s
